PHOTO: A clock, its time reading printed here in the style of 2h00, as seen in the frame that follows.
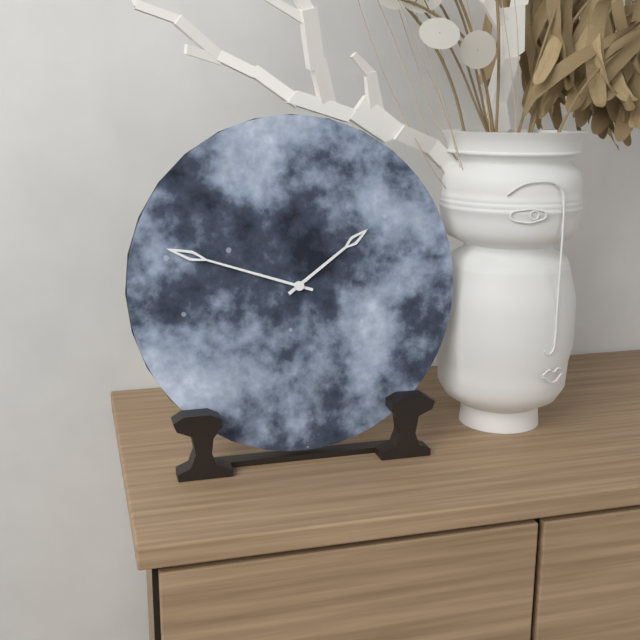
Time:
1h48
